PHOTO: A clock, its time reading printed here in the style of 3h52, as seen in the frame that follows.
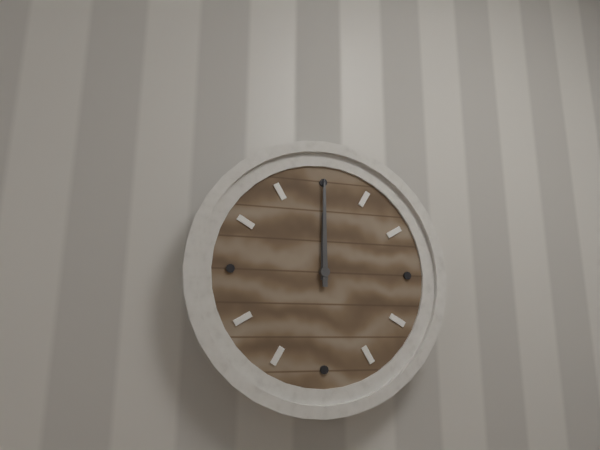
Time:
12h00
